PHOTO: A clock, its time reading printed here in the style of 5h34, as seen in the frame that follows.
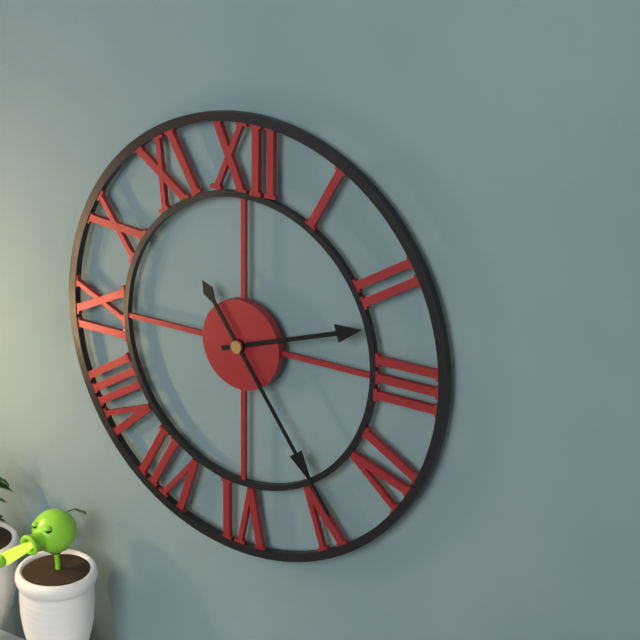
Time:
2h24
